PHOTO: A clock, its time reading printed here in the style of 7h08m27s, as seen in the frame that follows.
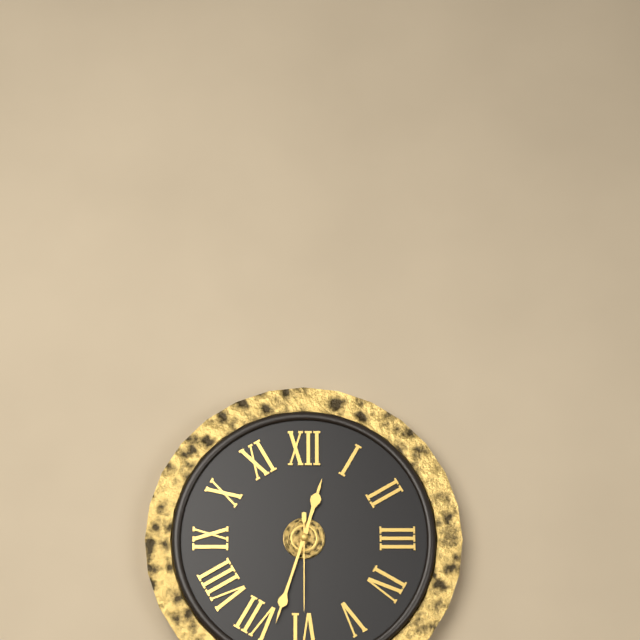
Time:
12h33m30s
